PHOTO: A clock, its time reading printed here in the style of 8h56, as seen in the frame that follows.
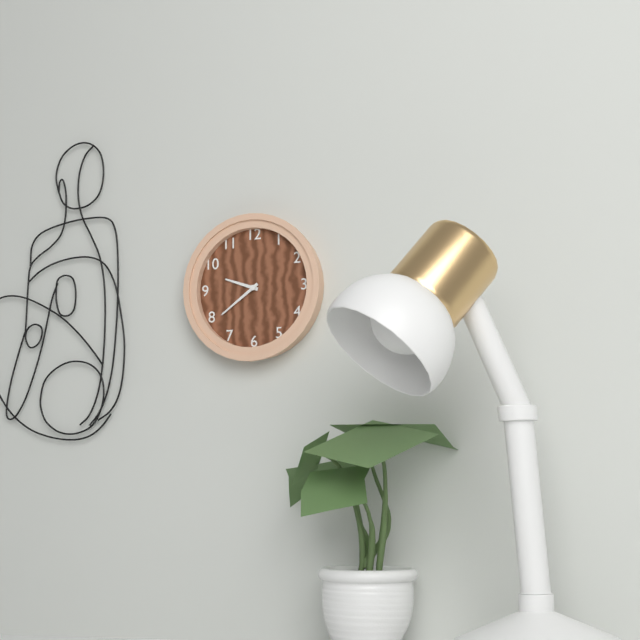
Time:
9h39
